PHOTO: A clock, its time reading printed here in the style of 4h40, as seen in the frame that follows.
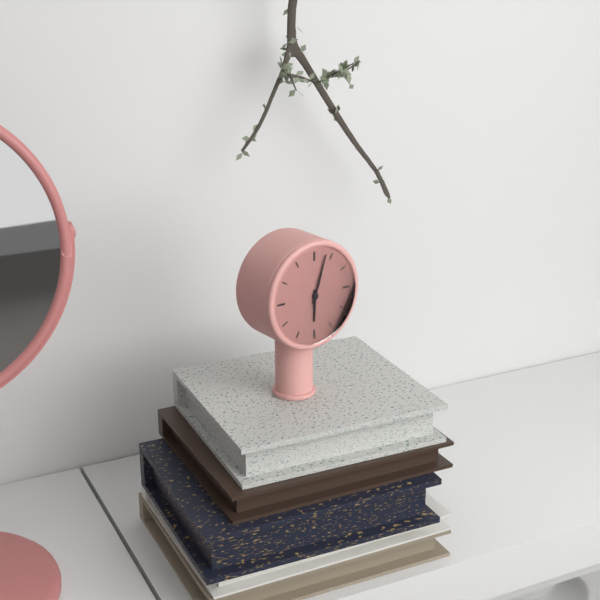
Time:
6h03
